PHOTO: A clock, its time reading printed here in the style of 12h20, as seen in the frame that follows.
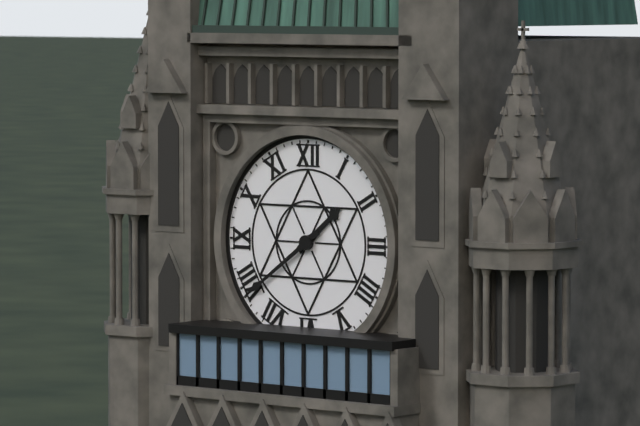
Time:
1h39
